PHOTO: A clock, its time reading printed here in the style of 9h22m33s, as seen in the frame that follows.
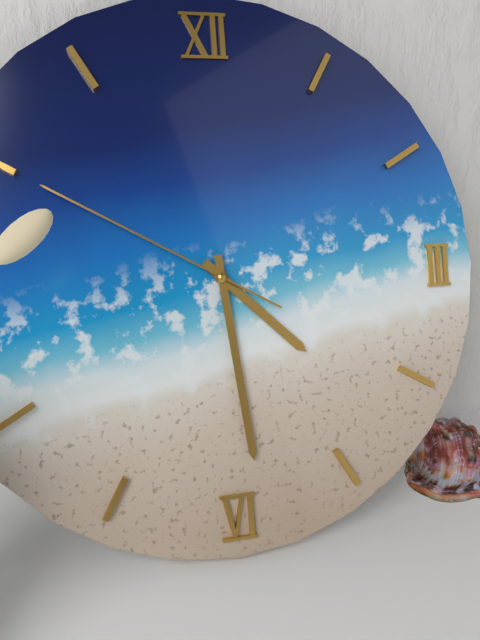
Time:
4h29m50s
